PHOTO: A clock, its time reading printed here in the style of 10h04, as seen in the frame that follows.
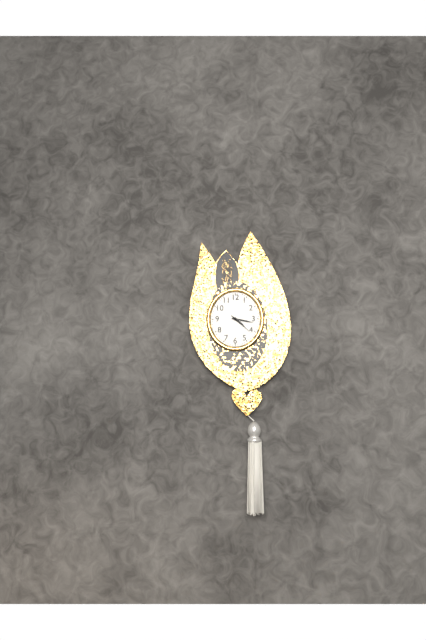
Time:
4h17
